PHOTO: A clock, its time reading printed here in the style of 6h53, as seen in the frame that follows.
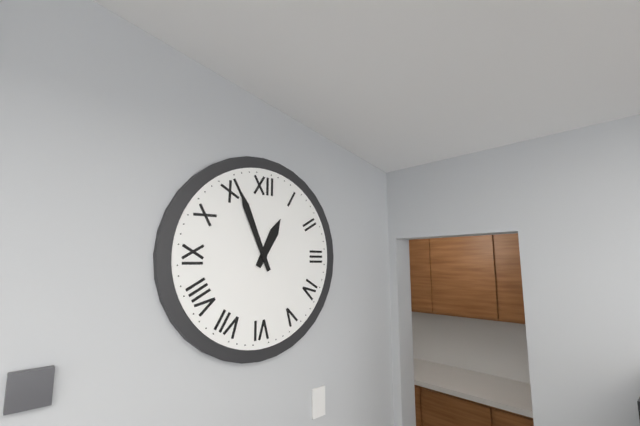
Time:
12h56
